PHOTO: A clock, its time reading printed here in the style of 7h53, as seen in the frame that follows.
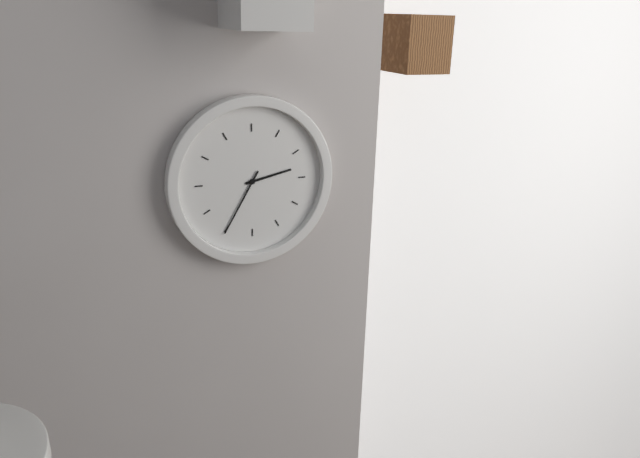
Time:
2h35
